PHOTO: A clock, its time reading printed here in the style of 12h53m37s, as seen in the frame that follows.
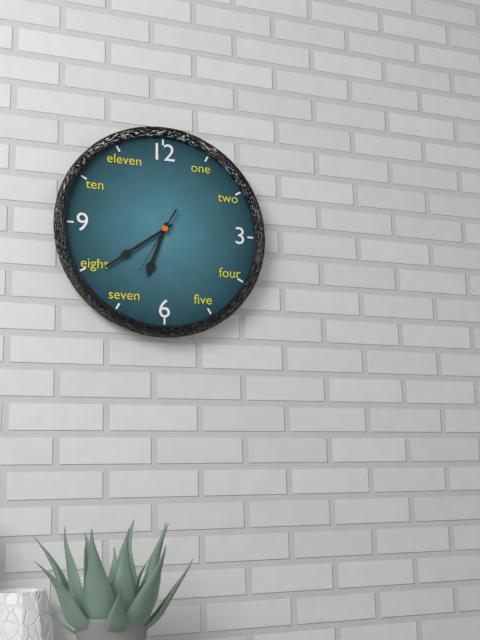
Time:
6h39m35s
